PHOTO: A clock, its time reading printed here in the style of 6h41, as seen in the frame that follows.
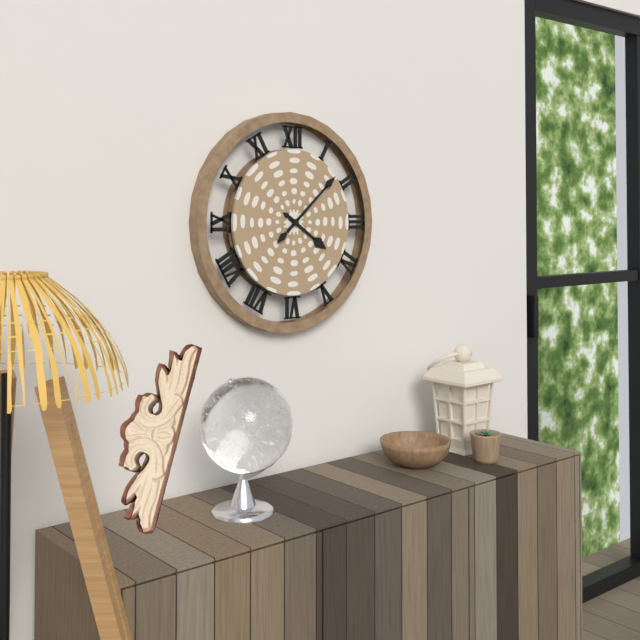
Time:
4h08
